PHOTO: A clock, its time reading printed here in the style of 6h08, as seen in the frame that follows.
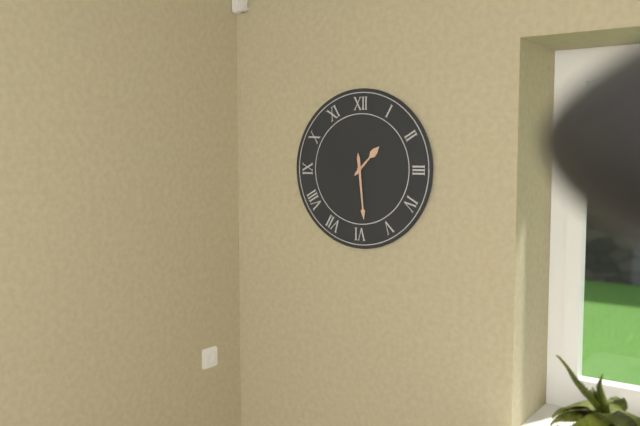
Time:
1h29
